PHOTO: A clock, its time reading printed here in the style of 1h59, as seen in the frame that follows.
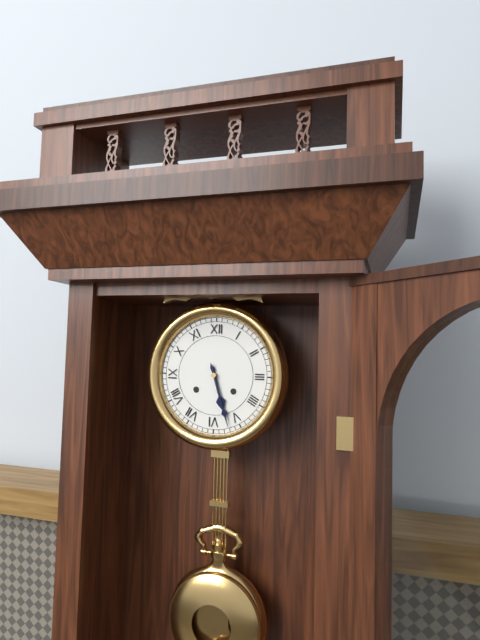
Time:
5h27
